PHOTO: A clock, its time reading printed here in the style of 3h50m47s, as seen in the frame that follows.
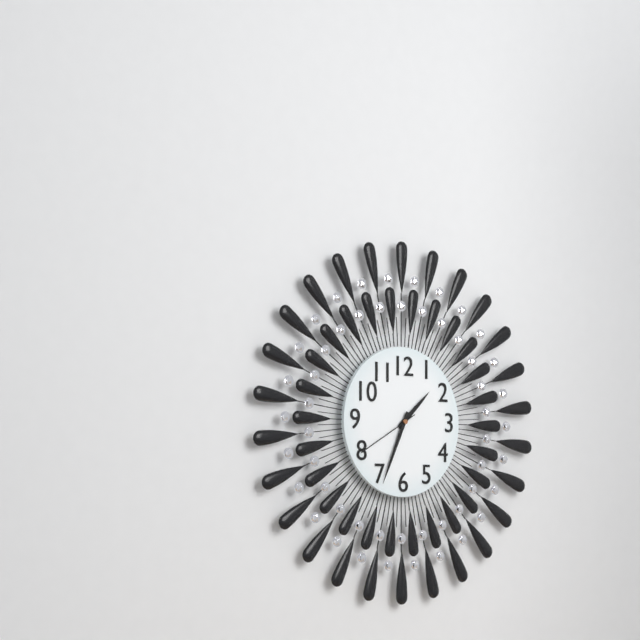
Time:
1h34m40s
